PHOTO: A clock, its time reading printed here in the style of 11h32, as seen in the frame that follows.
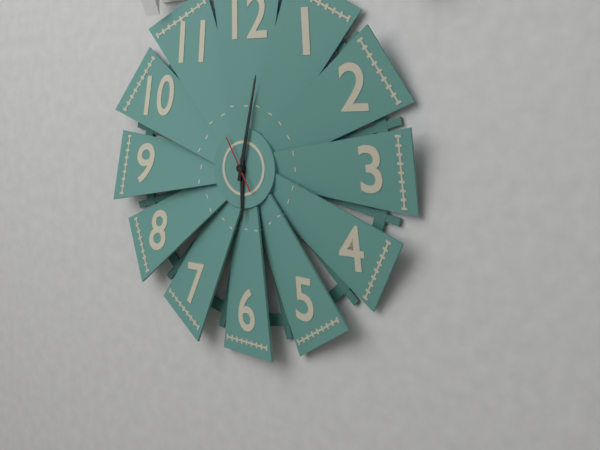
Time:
6h02
